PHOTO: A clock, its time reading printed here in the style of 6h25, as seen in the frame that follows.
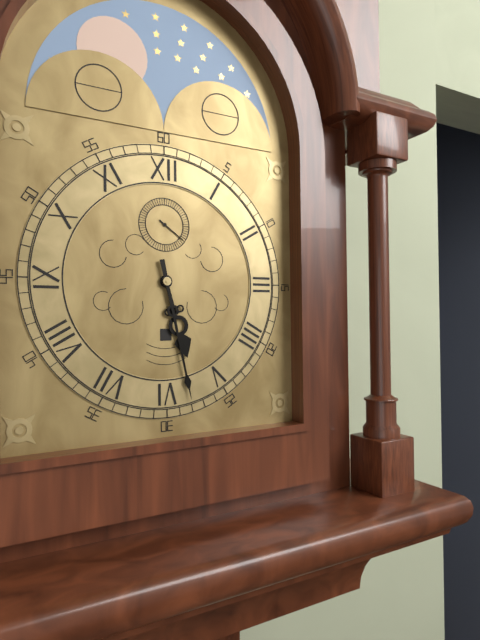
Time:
5h28
